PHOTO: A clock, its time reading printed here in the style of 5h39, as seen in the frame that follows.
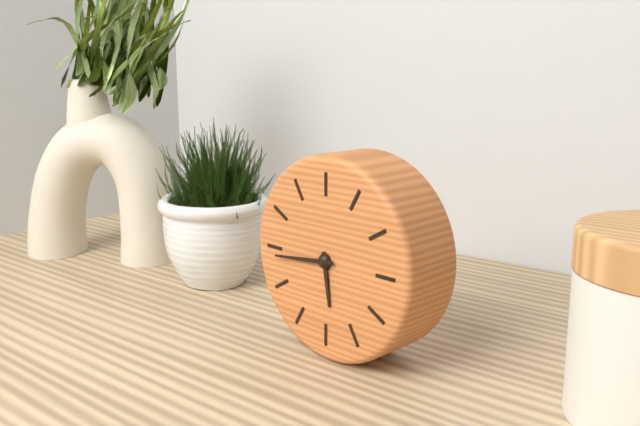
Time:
5h44
